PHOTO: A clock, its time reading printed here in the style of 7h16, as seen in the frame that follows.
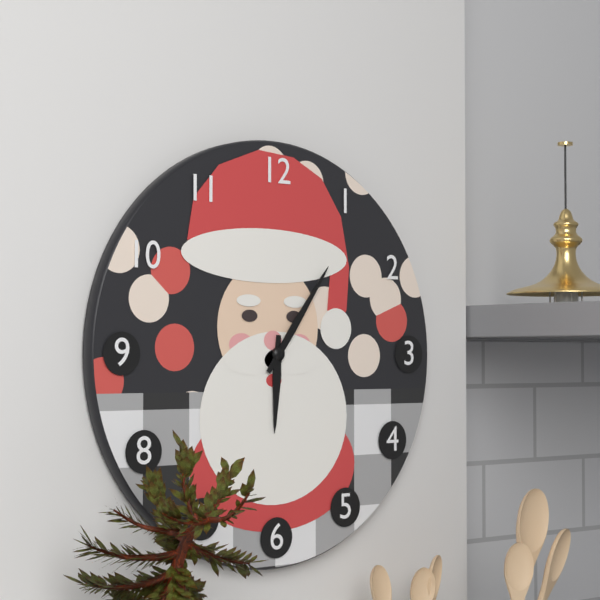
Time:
6h06
